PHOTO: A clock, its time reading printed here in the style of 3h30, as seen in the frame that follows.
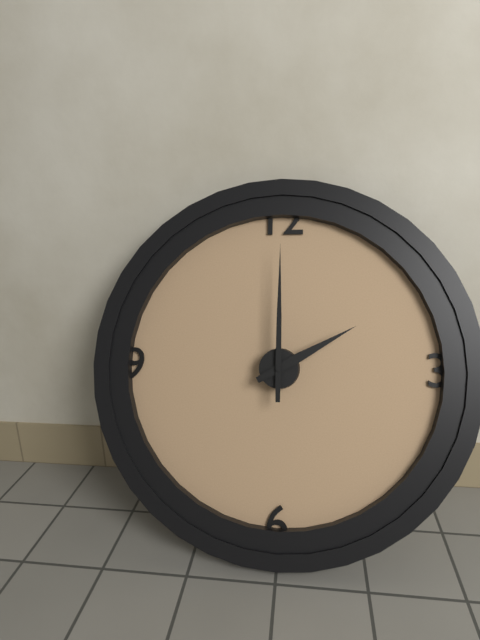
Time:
2h00
